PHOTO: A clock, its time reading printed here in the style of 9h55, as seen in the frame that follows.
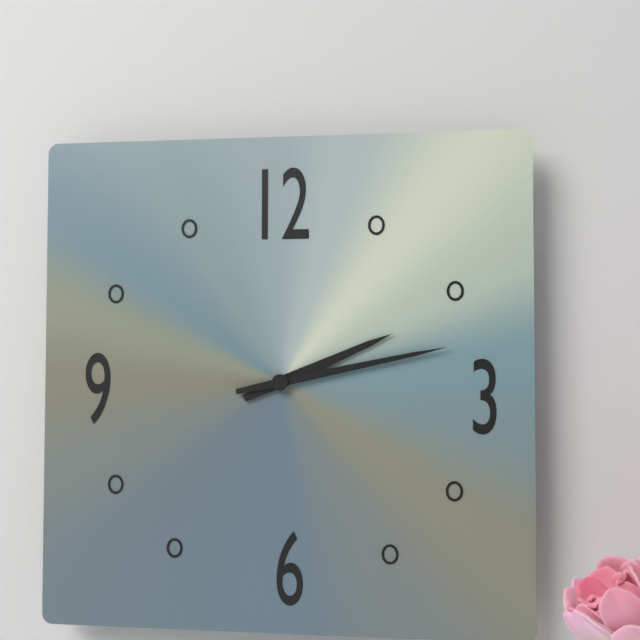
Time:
2h13
